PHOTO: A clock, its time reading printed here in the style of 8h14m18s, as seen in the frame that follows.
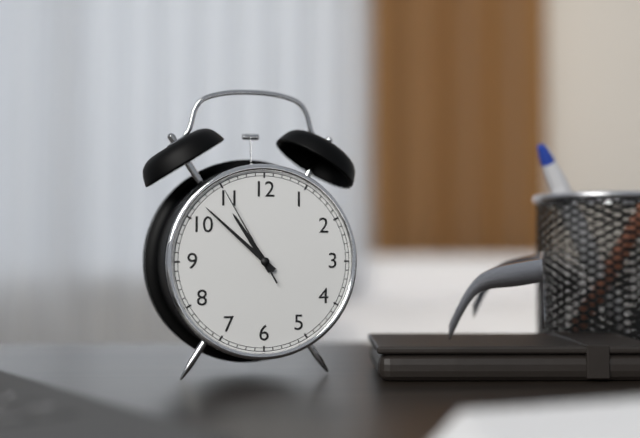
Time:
10h52m55s
